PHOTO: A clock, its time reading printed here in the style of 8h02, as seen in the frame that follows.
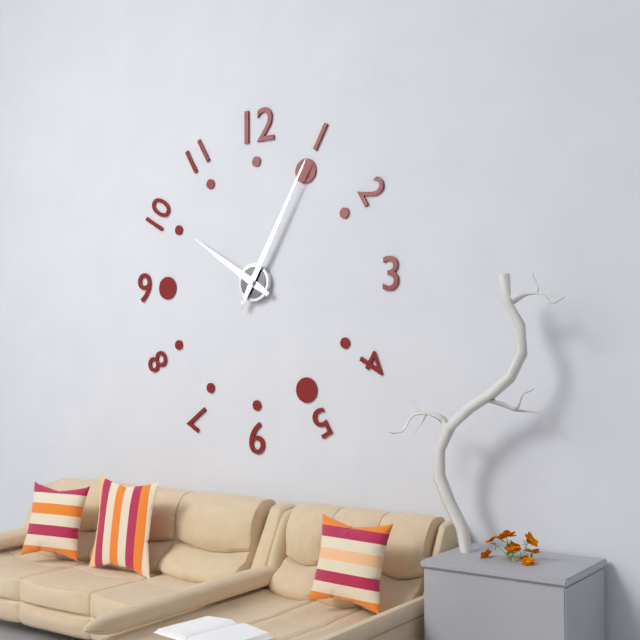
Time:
10h05
